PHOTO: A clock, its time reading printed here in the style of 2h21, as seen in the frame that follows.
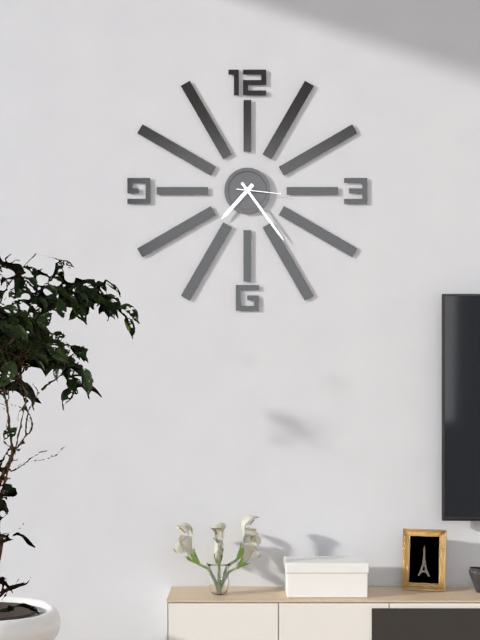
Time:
7h24
